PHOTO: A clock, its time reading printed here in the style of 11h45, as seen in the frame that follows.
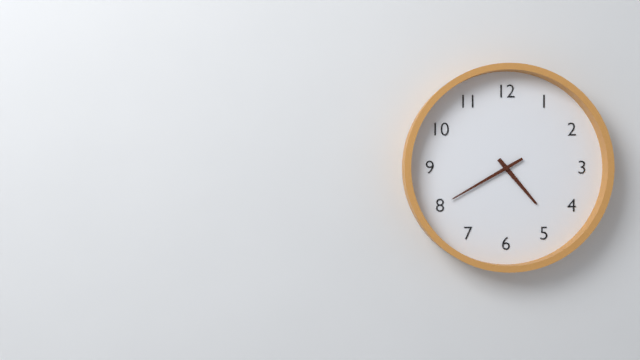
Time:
4h40
